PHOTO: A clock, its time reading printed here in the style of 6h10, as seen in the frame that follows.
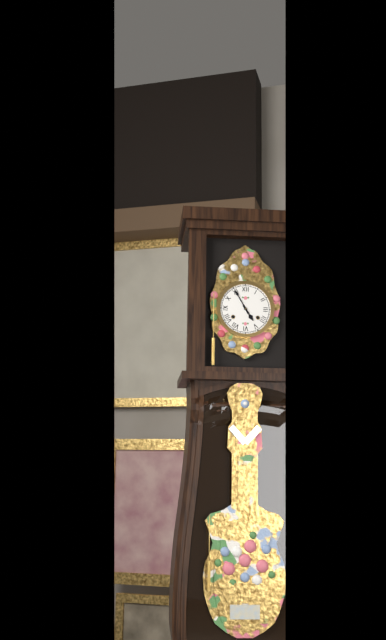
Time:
4h55
